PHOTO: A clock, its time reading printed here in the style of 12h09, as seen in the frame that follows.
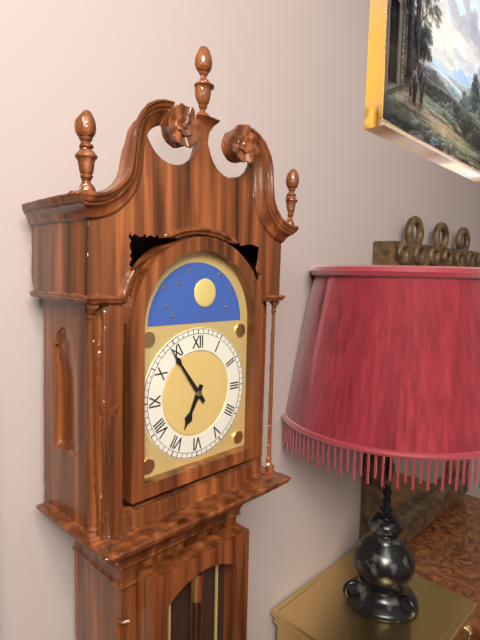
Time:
6h54
